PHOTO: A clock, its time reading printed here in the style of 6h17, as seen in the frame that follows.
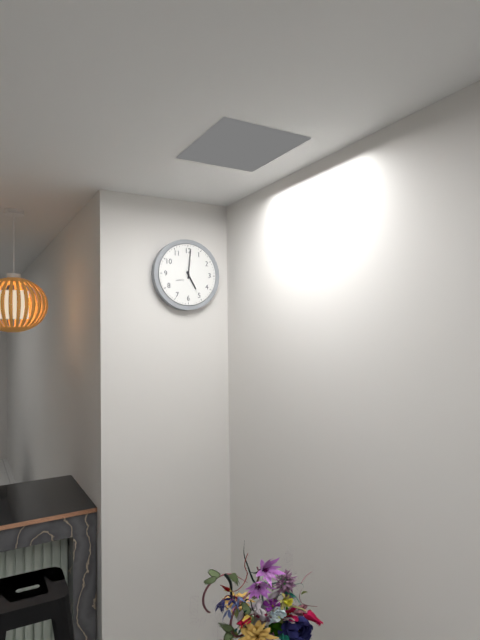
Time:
5h01
